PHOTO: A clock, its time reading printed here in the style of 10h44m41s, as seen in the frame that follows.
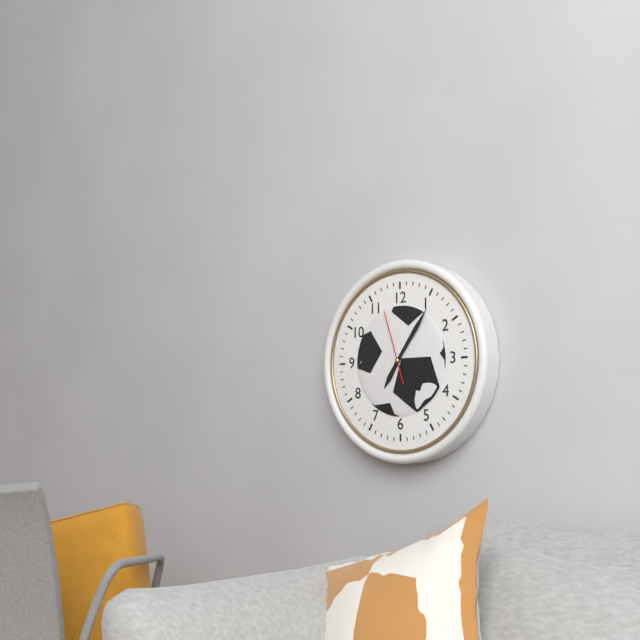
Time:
7h06m57s
